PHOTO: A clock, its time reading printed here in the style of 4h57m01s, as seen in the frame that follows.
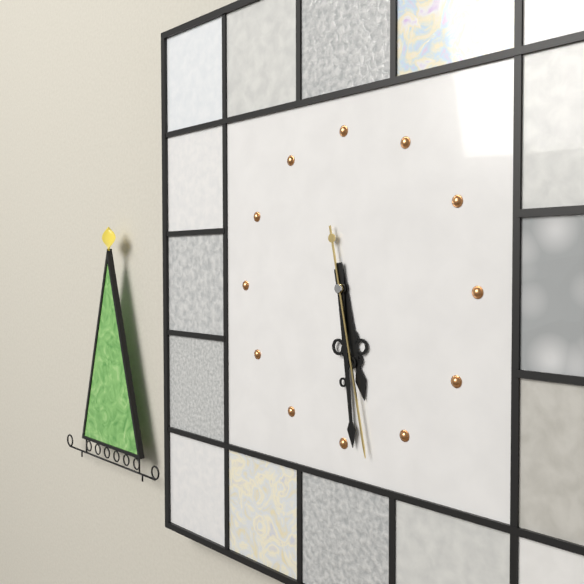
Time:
5h29m28s
